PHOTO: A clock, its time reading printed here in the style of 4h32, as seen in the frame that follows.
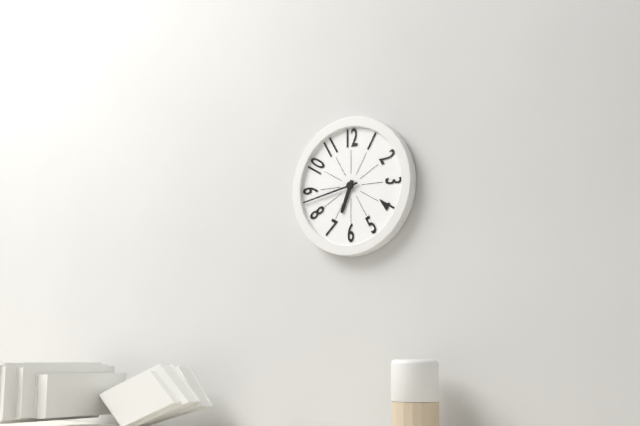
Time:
6h43
